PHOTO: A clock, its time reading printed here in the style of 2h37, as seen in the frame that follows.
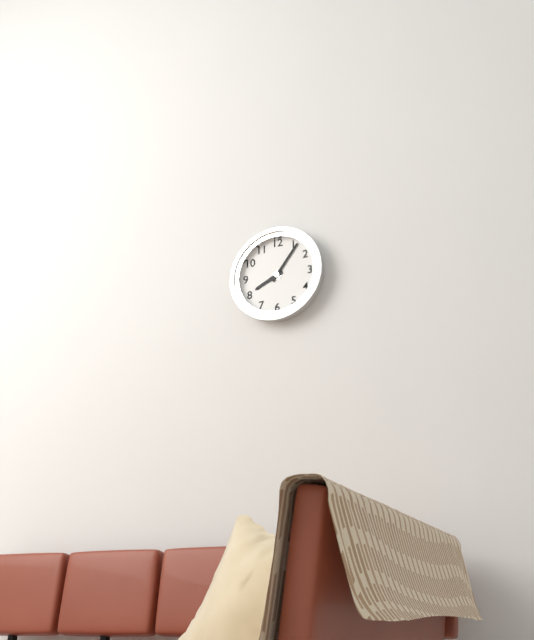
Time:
8h06
